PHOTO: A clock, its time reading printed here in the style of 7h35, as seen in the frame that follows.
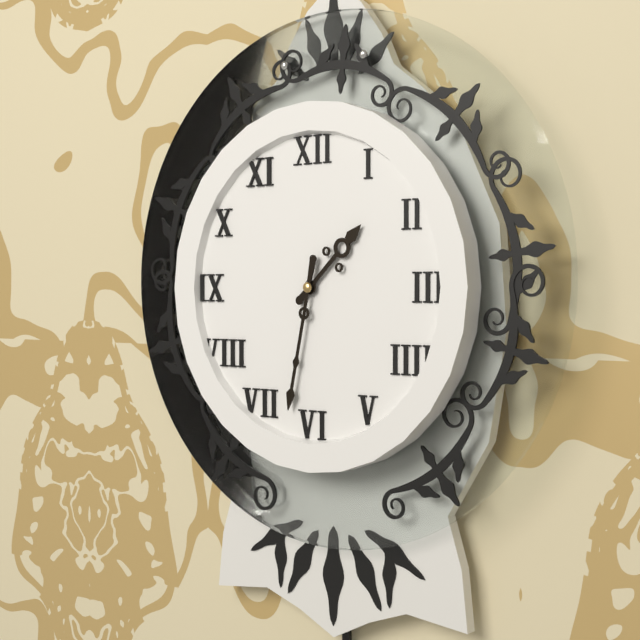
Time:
1h32
